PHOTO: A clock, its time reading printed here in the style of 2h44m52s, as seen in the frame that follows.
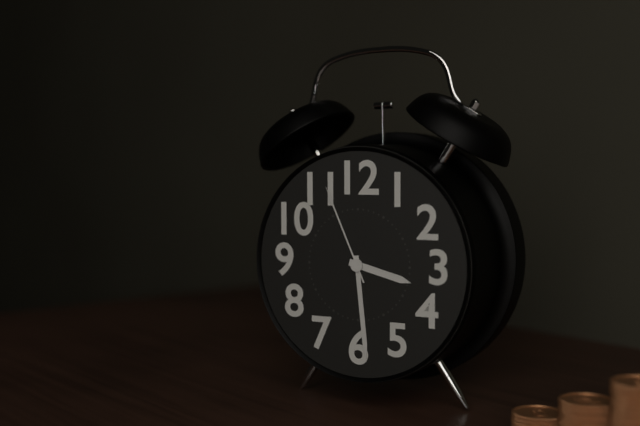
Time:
3h29m56s
